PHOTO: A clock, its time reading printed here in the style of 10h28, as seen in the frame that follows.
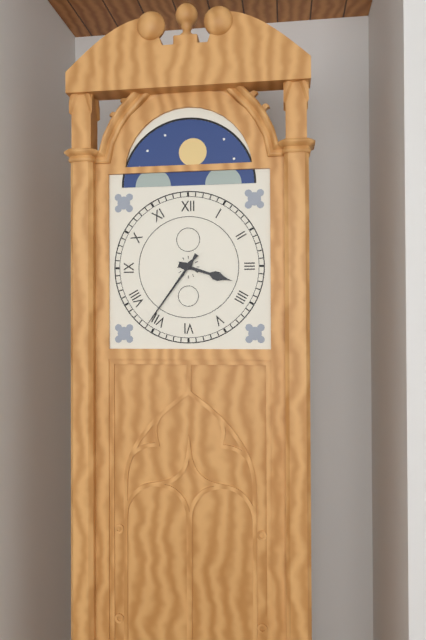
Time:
3h36
